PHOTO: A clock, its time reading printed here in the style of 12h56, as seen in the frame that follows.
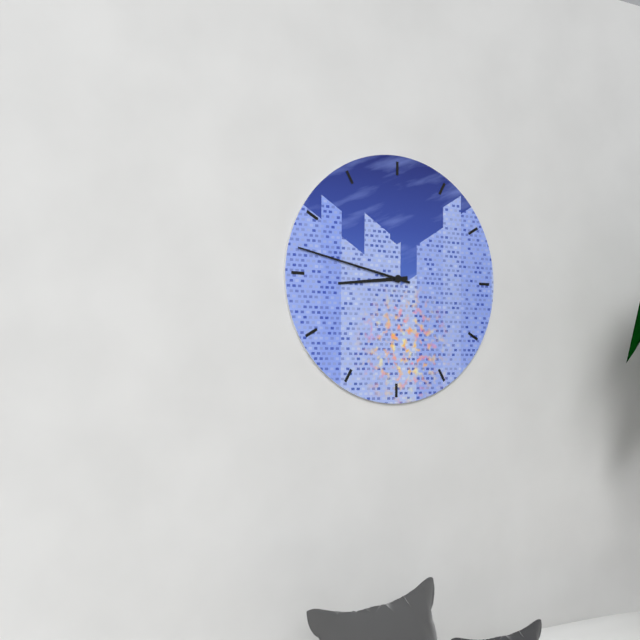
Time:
8h47
